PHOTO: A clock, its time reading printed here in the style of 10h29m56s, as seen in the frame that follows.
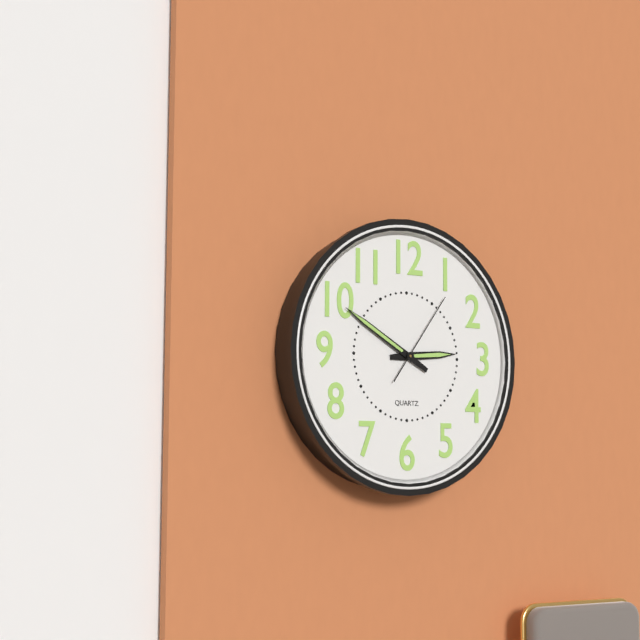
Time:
2h50m06s
